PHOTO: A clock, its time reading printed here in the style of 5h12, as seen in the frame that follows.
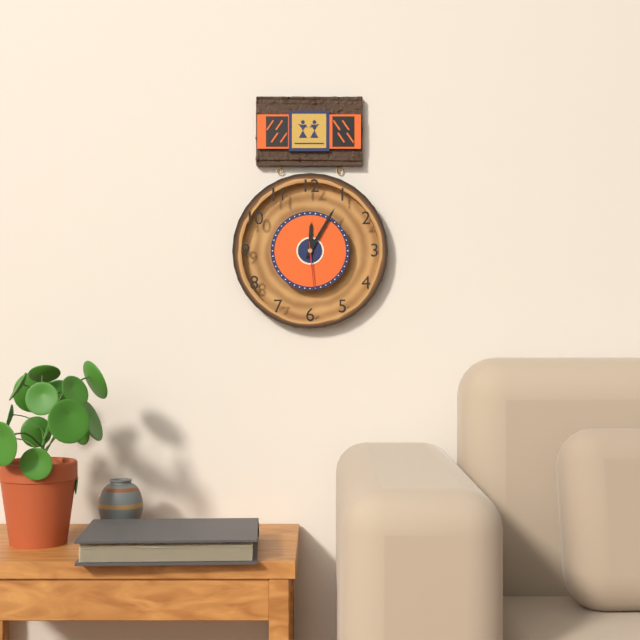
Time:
12h05
